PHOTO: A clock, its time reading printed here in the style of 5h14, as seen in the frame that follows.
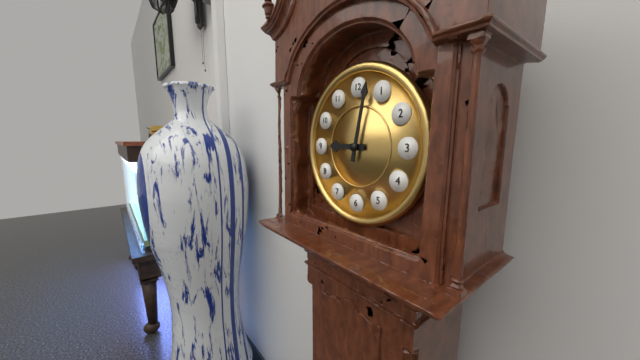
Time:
9h02
